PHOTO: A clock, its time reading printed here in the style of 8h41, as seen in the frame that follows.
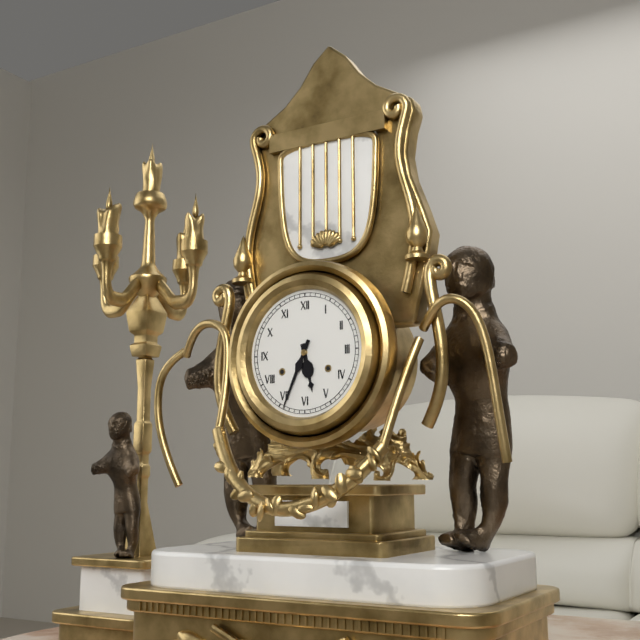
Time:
5h34
